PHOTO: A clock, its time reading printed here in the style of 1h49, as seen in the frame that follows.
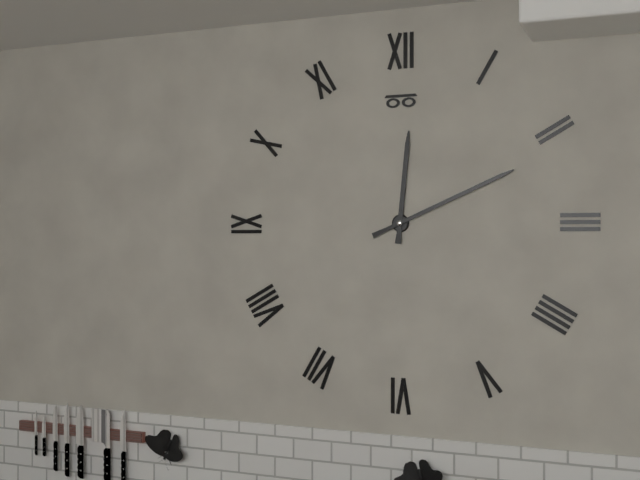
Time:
12h11
